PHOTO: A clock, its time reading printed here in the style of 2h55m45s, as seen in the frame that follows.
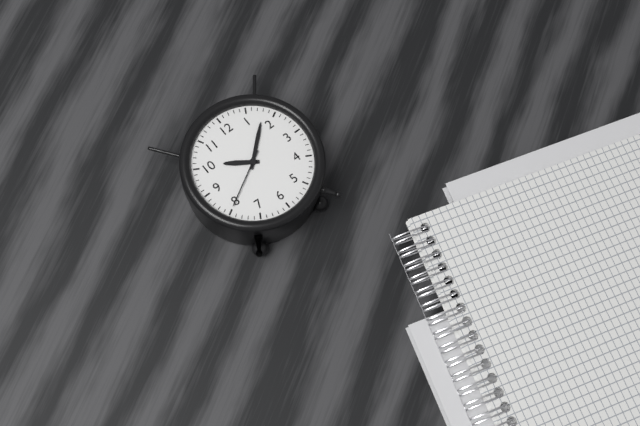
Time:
10h08m40s
